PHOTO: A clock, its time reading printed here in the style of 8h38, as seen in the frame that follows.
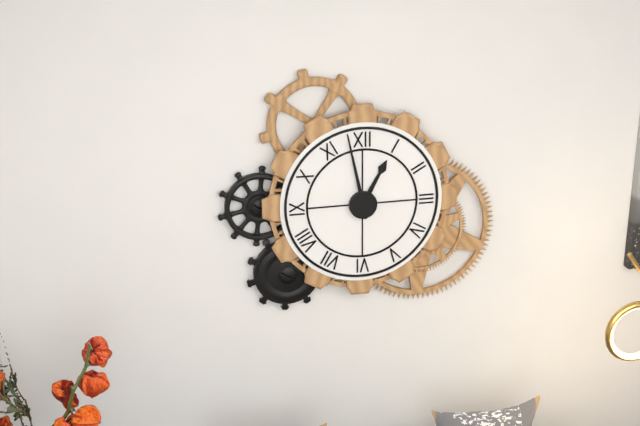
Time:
12h58
